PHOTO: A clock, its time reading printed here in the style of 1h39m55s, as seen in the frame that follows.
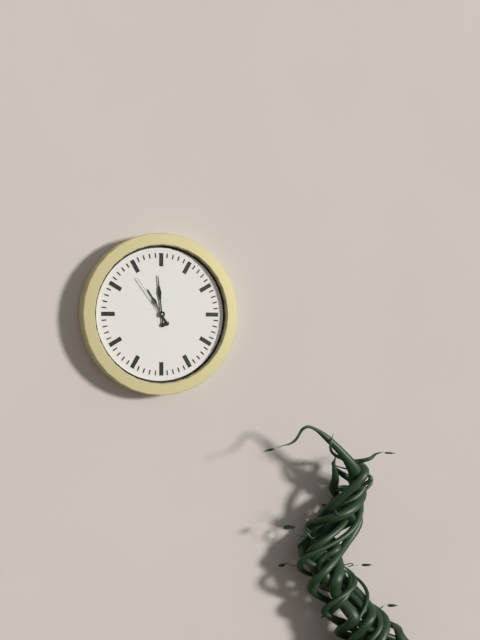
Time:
10h59m54s
